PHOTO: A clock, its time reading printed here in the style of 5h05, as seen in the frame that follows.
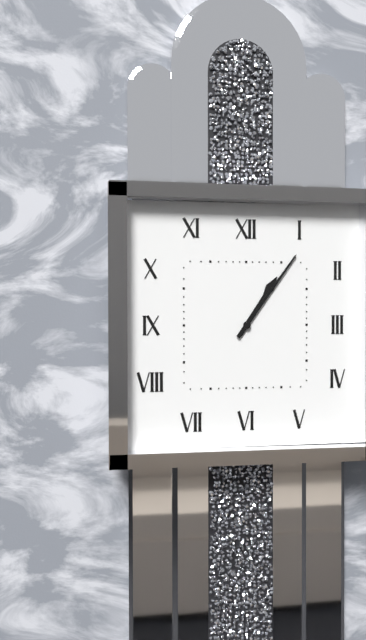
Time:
1h06
